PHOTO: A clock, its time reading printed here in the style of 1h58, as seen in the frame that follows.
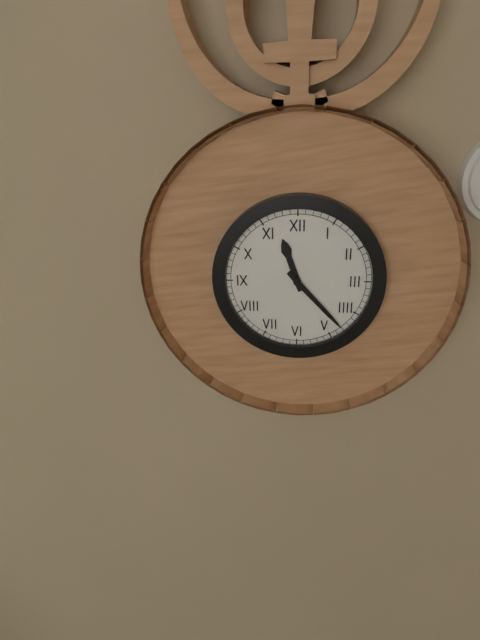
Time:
11h23
